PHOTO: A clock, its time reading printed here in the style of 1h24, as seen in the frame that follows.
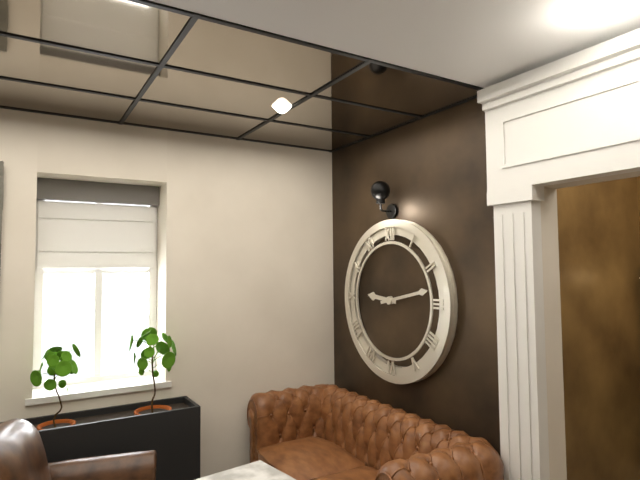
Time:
9h13
